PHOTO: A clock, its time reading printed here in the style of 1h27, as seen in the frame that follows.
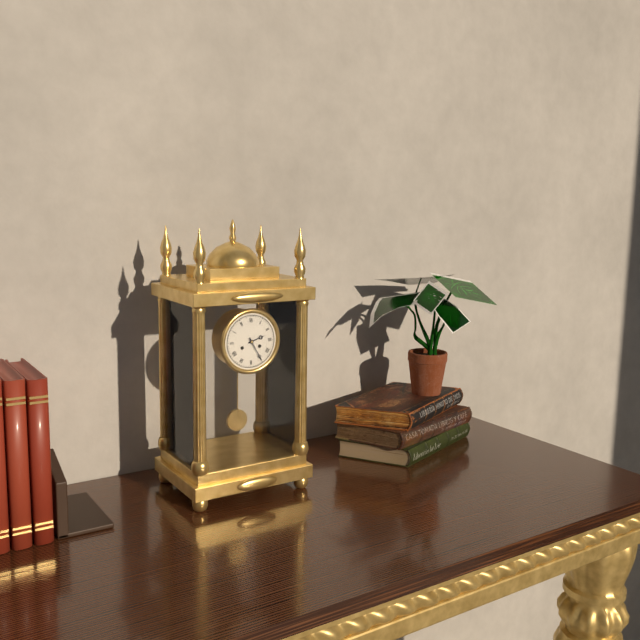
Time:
2h25
